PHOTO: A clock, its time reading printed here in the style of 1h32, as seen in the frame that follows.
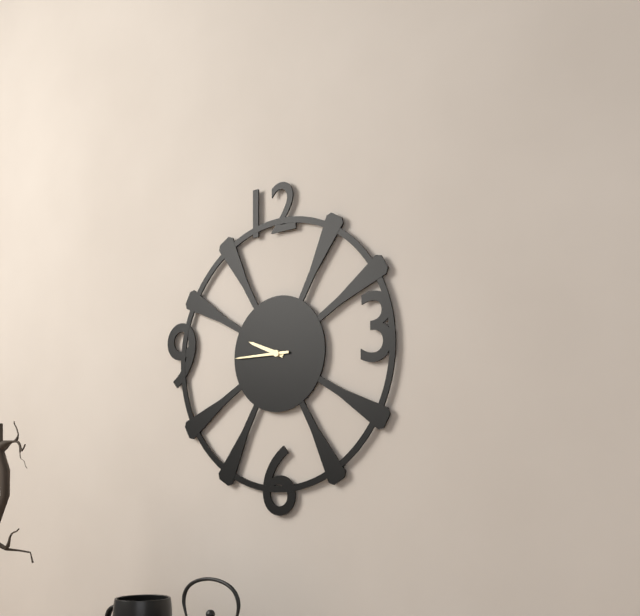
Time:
9h45
